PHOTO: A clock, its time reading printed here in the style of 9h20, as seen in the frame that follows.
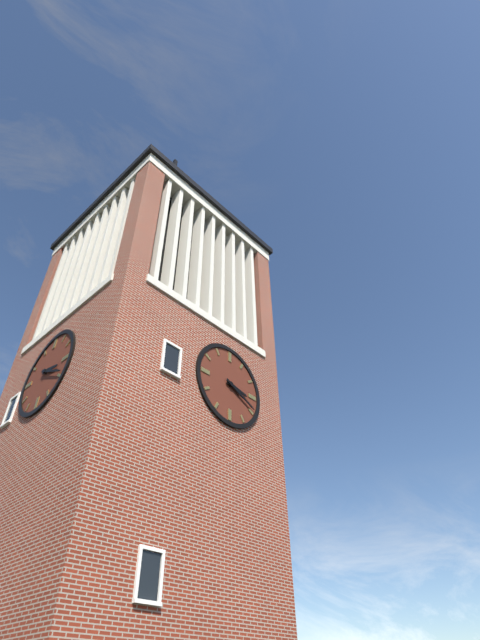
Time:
3h19
